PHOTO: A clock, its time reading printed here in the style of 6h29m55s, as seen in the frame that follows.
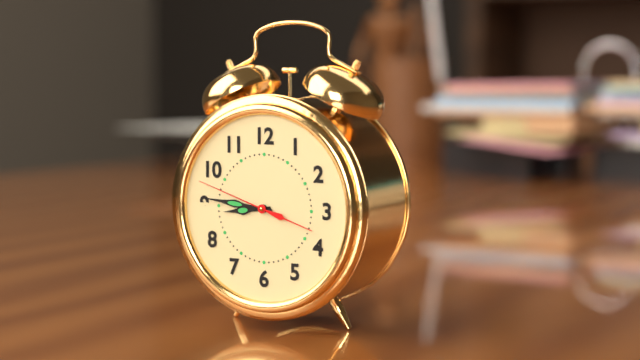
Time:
8h46m48s
